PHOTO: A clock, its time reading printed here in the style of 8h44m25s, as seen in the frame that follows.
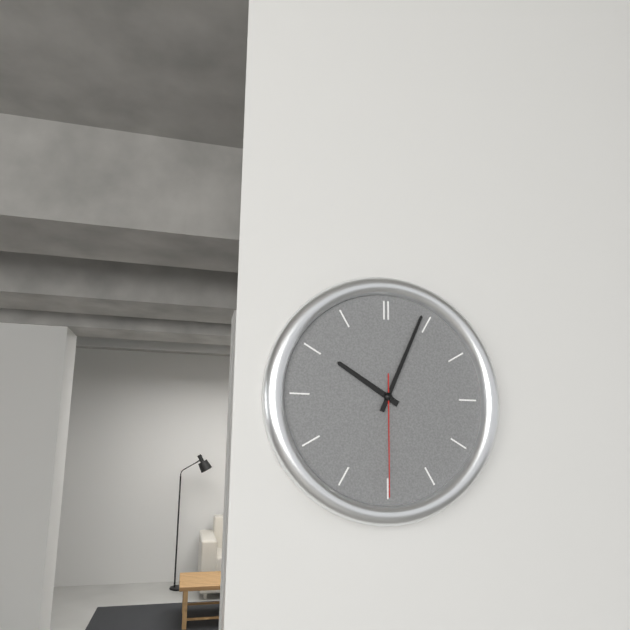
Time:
10h04m30s
